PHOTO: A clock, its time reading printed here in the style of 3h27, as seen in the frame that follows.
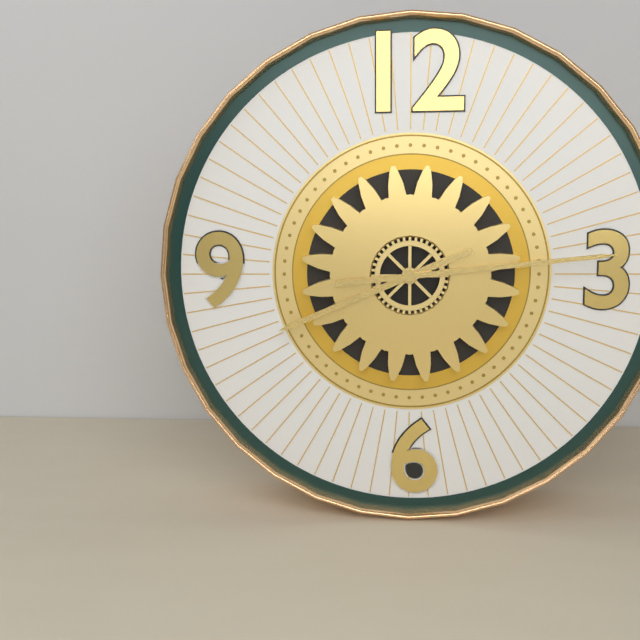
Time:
8h14
